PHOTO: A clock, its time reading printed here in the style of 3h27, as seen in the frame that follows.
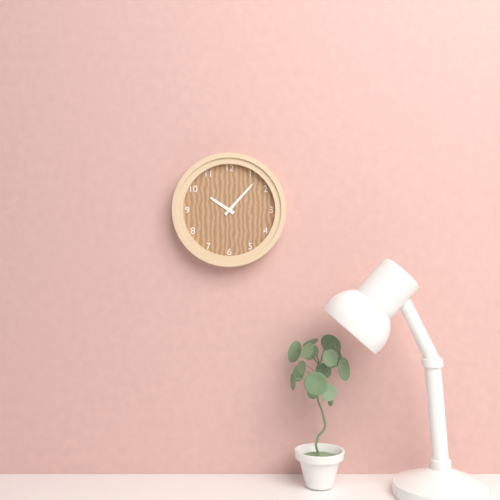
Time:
10h07
